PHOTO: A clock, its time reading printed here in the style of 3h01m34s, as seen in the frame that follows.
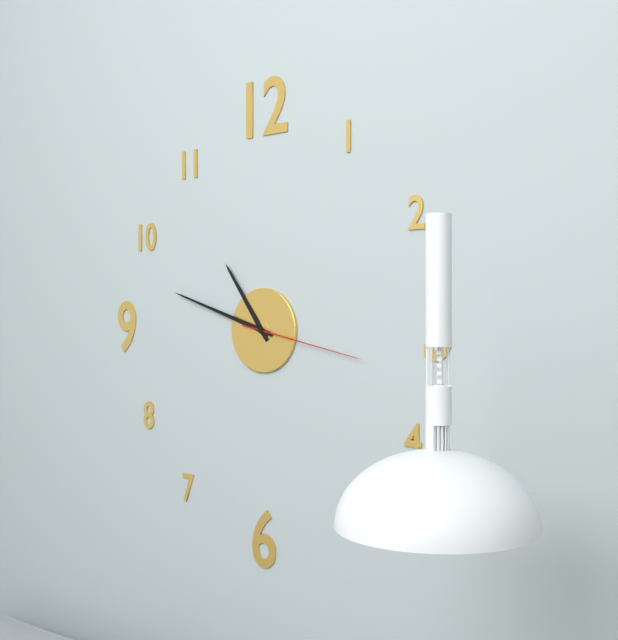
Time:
10h48m17s
